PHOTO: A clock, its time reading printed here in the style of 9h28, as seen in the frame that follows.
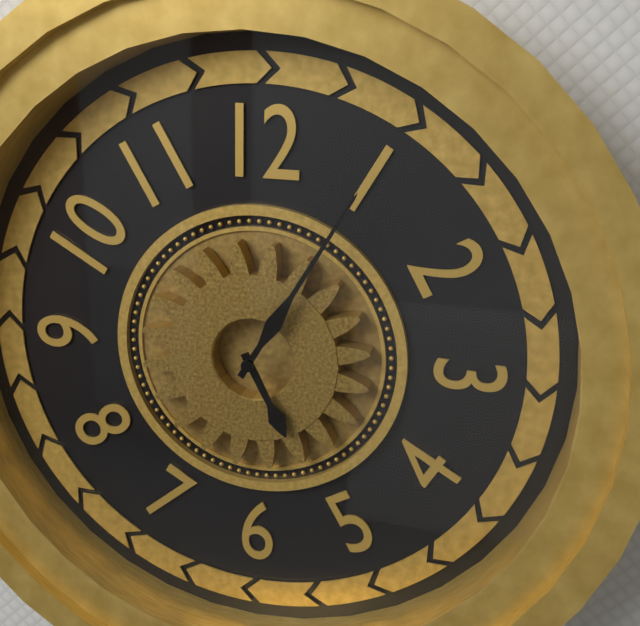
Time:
5h05
